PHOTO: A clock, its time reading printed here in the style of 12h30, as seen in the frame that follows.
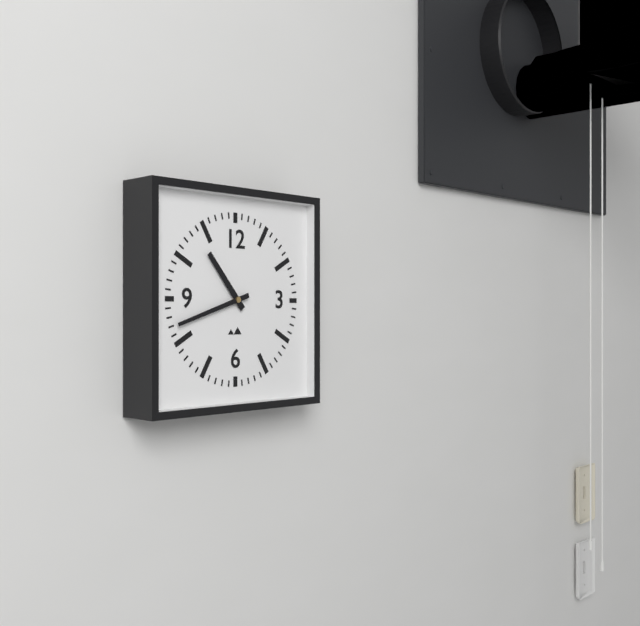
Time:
10h42
